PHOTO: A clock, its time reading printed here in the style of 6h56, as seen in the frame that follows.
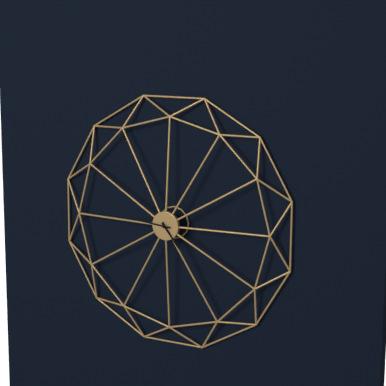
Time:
4h46
